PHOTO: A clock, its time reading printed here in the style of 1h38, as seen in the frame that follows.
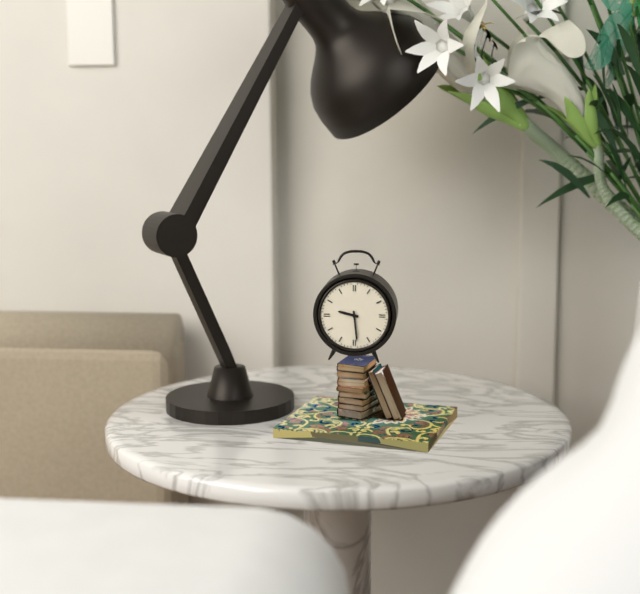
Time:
9h29
